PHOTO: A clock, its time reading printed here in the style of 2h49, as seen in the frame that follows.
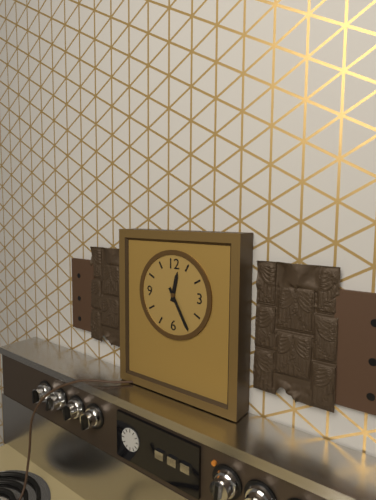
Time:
12h25
